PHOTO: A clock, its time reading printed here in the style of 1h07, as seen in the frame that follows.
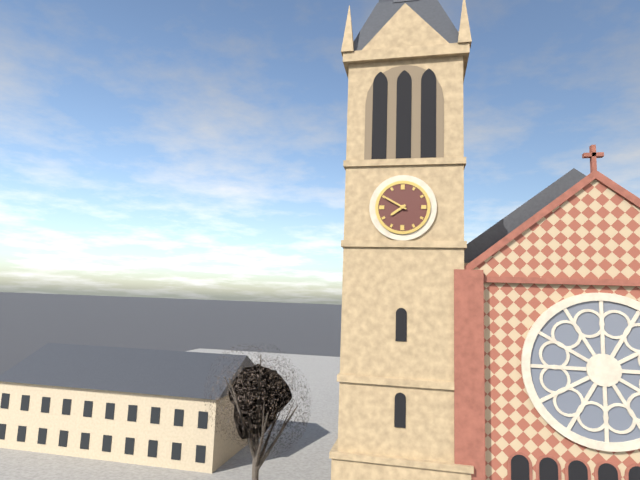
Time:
7h50
